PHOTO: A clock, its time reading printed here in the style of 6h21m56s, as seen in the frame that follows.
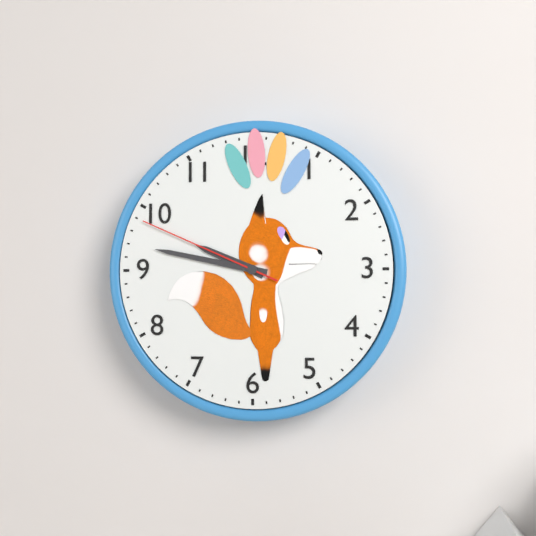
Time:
9h47m49s
